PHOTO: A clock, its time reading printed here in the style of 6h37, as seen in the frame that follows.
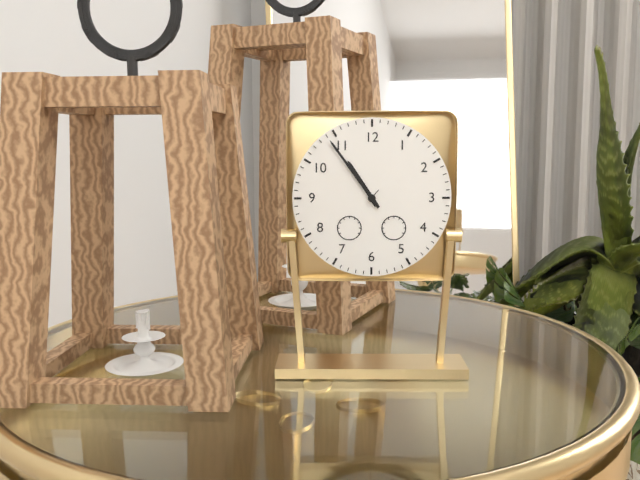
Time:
10h54
